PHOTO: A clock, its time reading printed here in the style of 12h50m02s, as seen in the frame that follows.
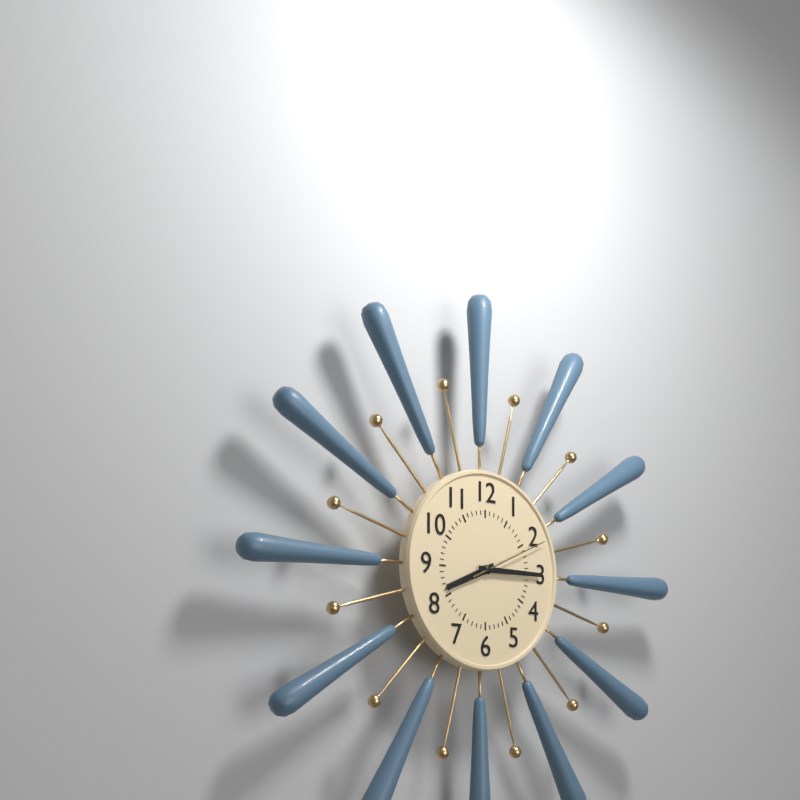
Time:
8h15m11s
